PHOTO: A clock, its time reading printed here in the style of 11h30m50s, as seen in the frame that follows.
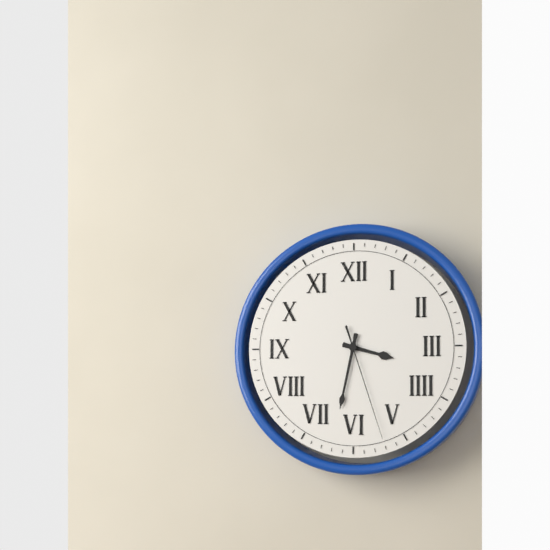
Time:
3h32m27s
